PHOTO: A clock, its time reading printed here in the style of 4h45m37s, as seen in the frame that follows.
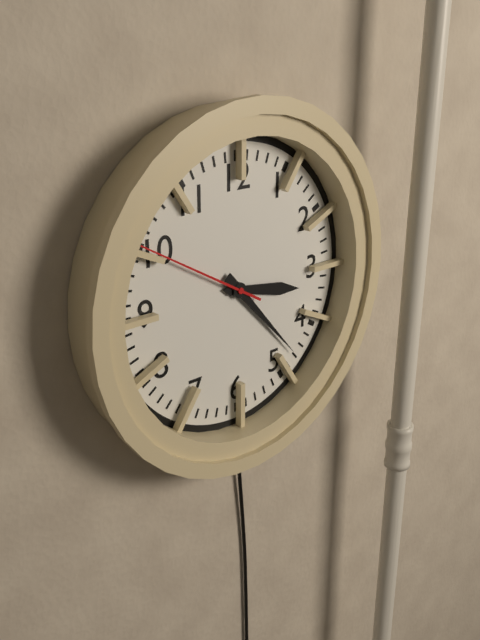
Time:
3h23m50s
